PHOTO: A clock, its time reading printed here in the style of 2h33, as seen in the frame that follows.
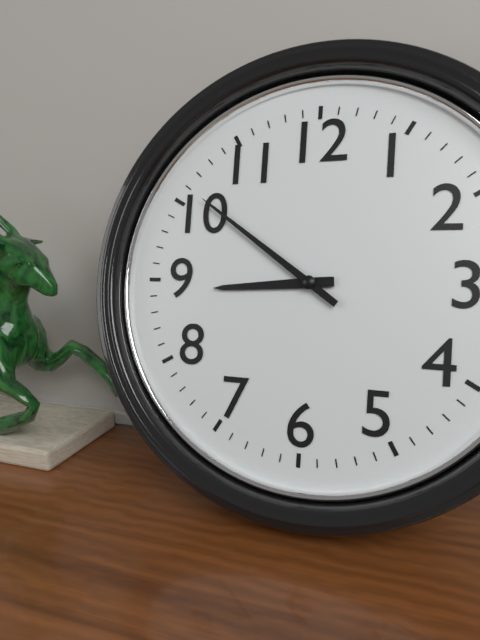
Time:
8h51
